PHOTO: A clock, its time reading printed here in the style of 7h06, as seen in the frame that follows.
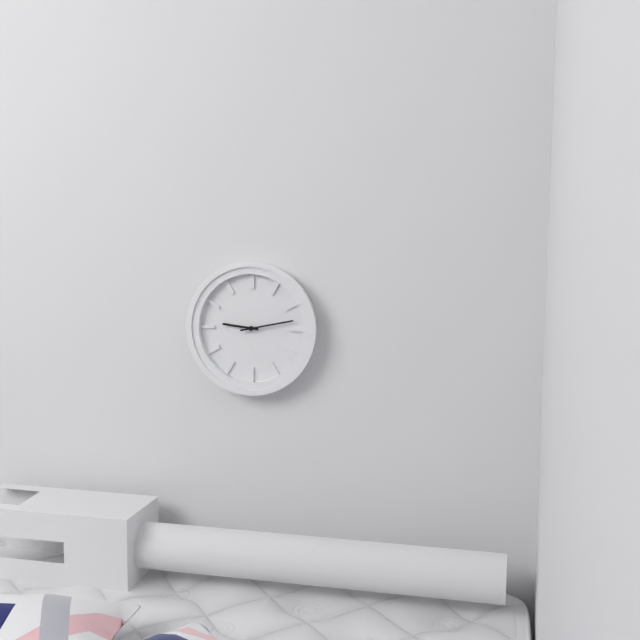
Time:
9h13
